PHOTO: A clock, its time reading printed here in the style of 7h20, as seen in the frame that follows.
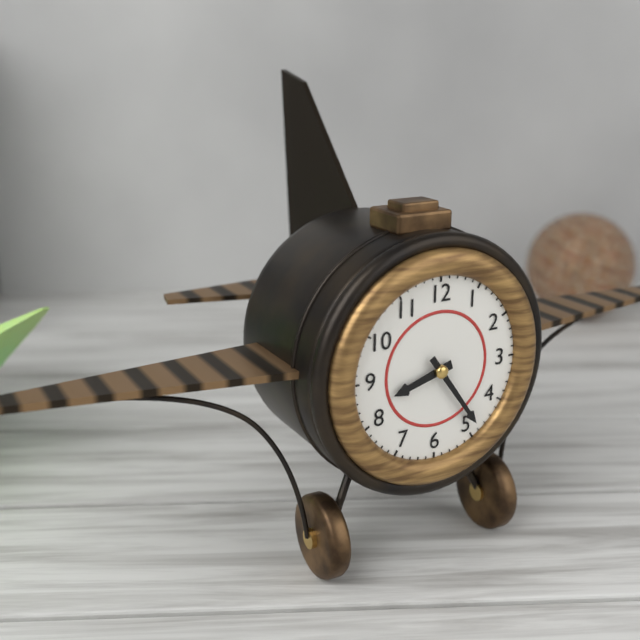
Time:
8h24
